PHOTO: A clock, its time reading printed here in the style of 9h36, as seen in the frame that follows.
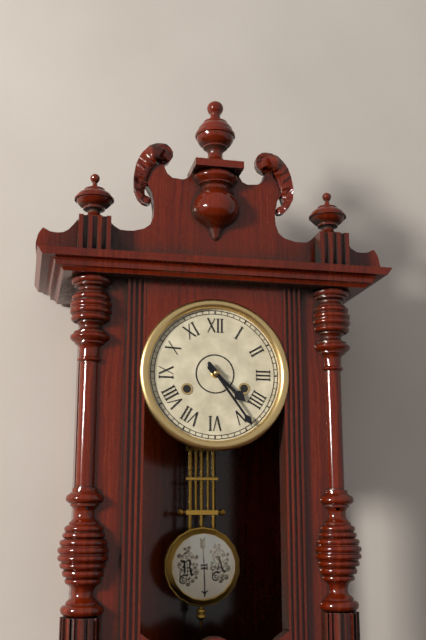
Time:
4h24
